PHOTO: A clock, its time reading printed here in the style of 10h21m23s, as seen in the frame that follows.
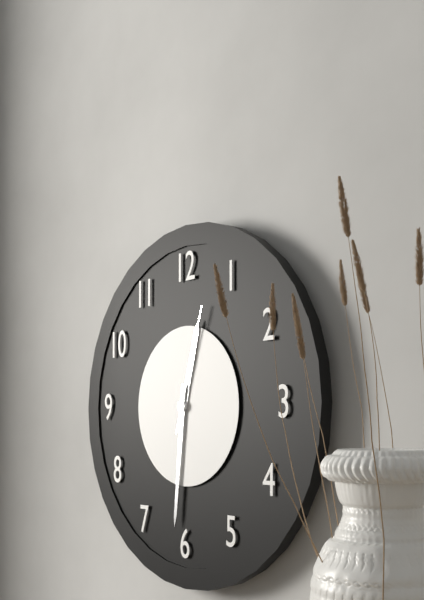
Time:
12h31m03s
